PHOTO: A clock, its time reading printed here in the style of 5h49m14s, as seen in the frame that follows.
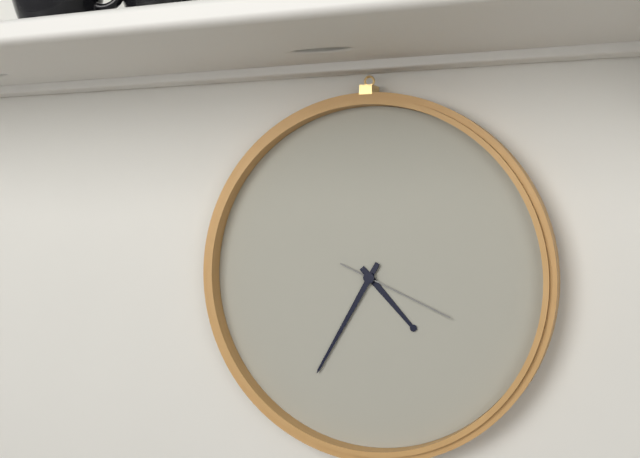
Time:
4h35m19s
